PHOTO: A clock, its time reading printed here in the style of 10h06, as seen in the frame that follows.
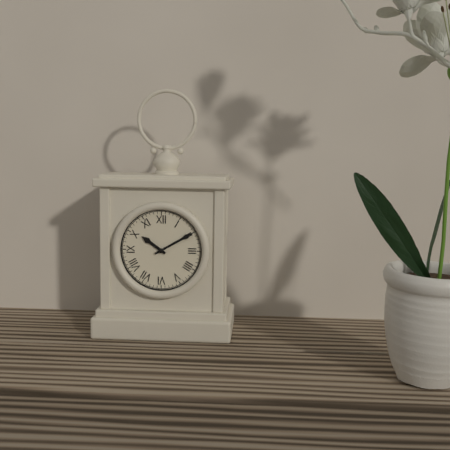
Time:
10h10
